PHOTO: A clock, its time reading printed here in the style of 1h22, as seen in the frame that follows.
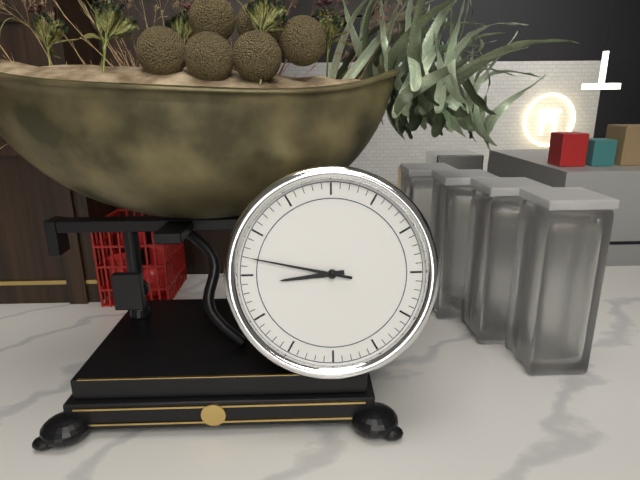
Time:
8h47
